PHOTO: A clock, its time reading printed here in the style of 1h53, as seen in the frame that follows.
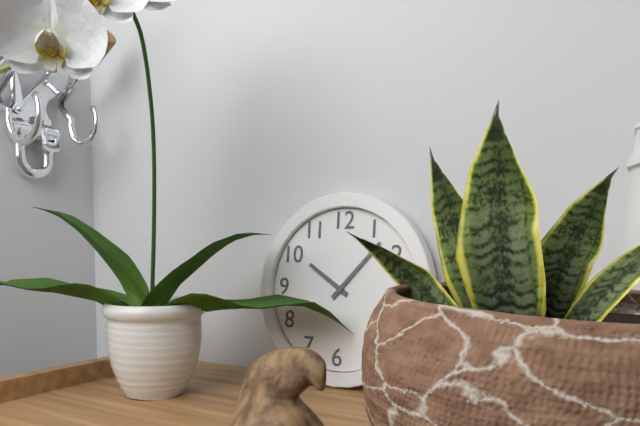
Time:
10h07
